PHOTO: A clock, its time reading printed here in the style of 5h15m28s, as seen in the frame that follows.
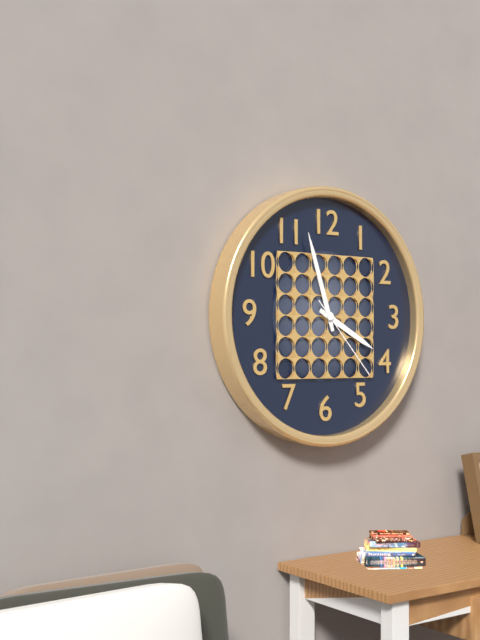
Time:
3h57m23s
